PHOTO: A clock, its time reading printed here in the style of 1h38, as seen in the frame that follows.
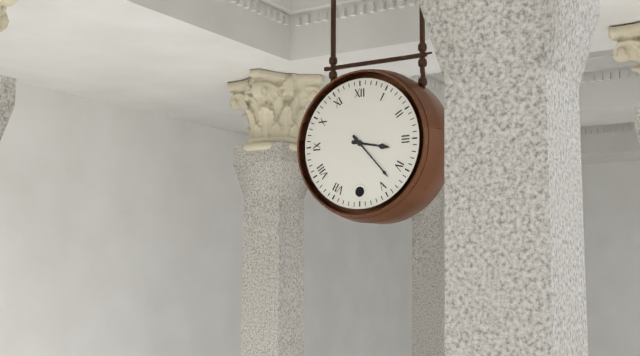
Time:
3h23
